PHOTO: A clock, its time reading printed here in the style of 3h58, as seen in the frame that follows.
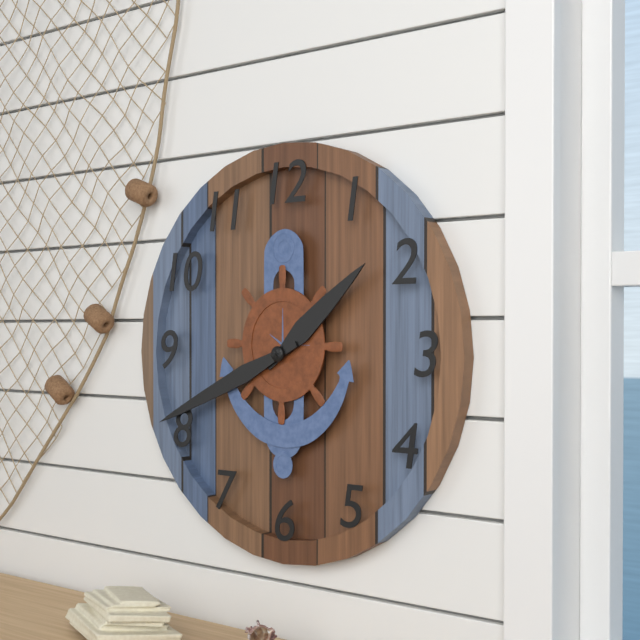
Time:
1h41
